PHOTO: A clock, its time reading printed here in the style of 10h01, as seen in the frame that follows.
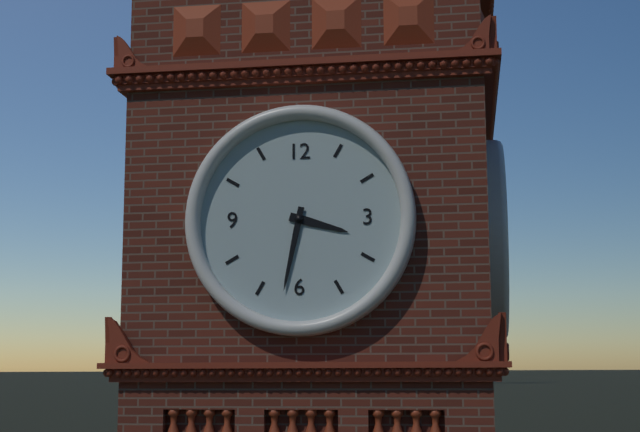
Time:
3h32
